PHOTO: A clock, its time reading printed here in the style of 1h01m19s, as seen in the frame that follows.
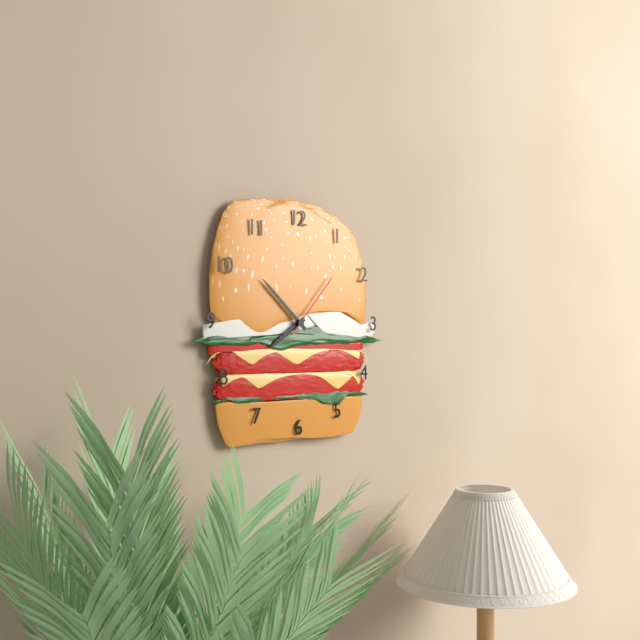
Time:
7h52m07s
